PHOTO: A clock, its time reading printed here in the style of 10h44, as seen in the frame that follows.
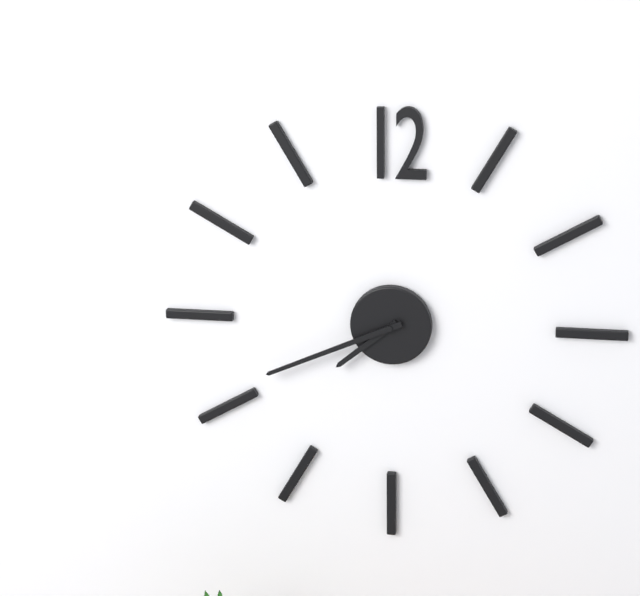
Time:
7h41
